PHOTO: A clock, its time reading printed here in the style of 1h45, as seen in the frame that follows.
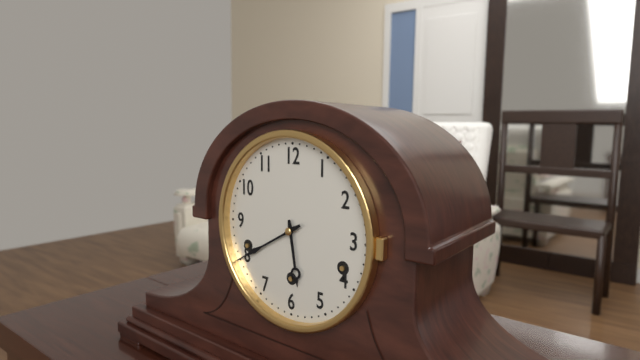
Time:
5h40
